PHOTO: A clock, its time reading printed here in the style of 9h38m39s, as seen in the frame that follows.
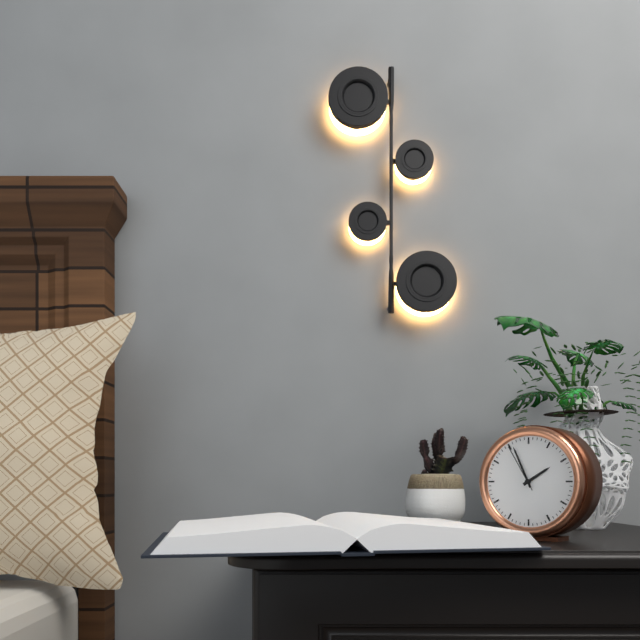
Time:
1h56m55s
